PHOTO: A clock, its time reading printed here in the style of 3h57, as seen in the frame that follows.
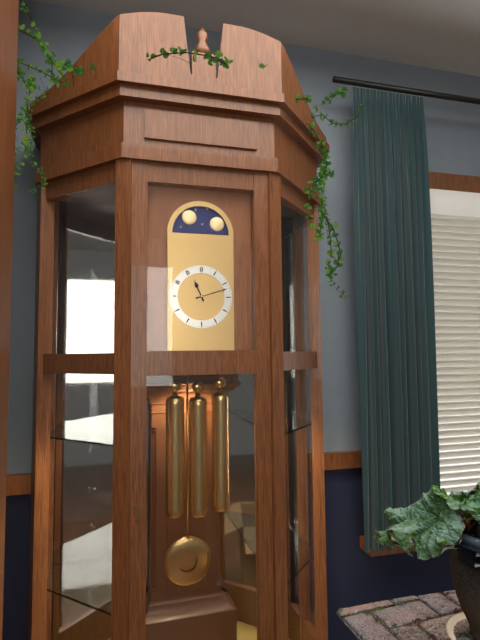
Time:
11h12
